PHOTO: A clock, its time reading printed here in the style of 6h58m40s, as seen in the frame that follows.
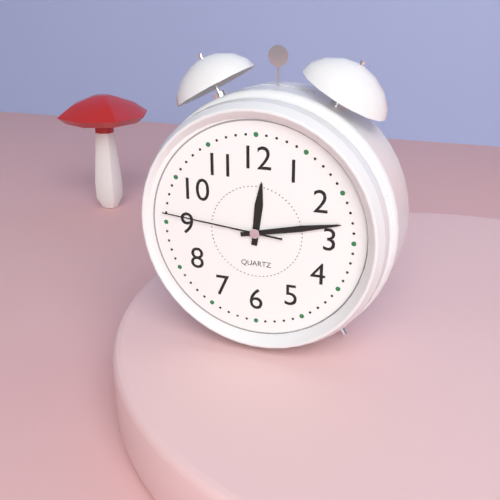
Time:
12h13m46s
